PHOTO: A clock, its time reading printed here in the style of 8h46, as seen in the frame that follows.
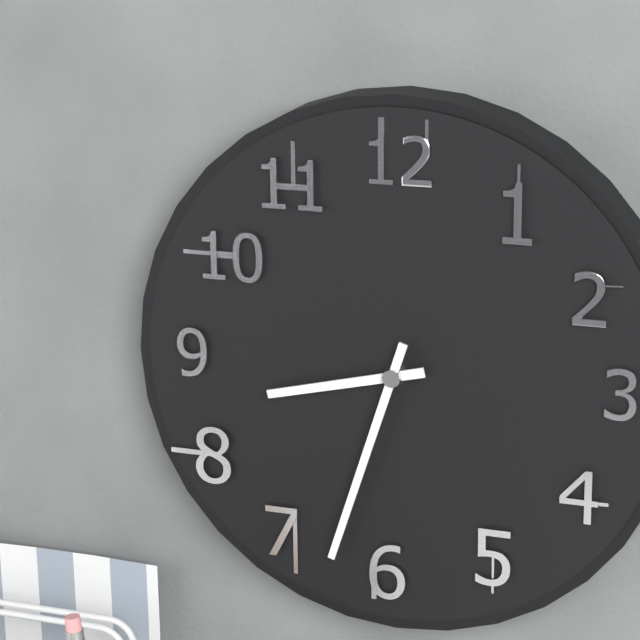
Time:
8h33
